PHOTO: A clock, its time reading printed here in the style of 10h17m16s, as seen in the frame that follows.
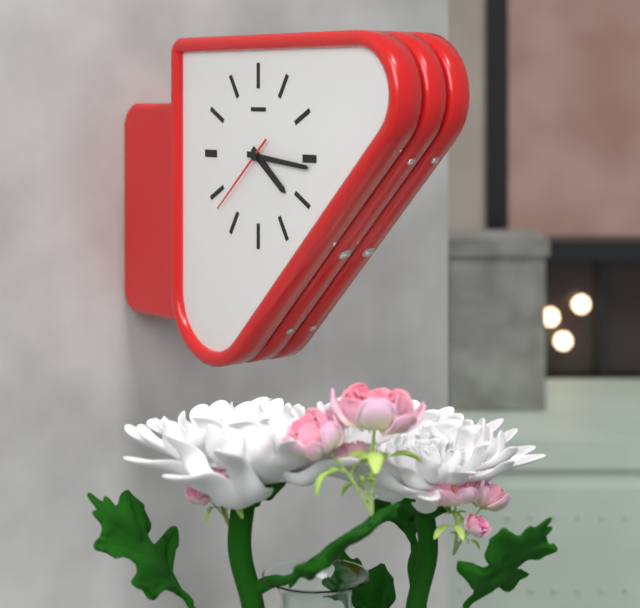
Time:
4h16m38s
